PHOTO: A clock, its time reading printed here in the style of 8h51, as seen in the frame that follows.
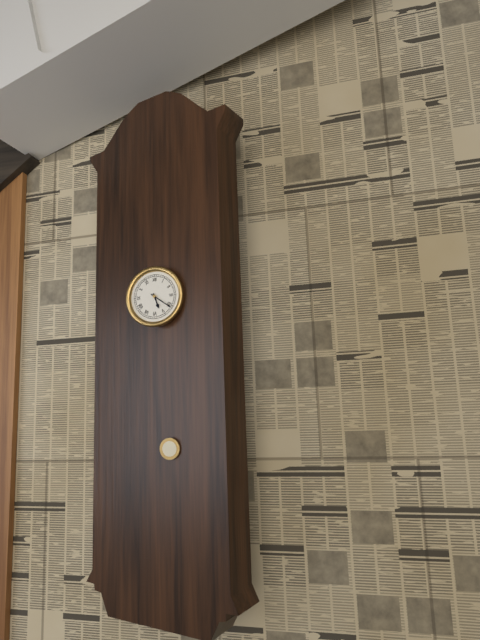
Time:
5h21
